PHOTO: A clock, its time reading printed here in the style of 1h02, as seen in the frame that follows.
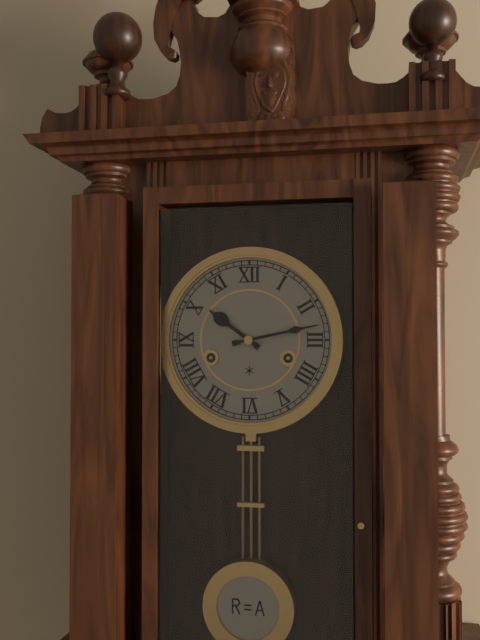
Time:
10h13
